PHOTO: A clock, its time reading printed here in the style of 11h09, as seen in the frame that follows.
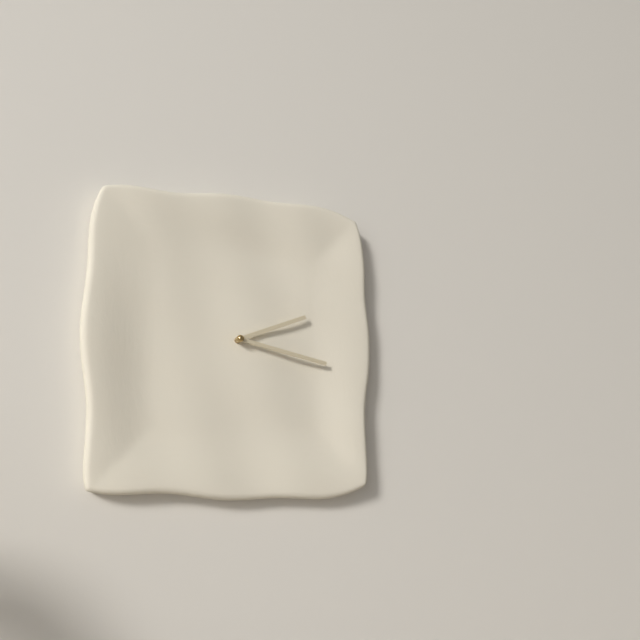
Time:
2h17
